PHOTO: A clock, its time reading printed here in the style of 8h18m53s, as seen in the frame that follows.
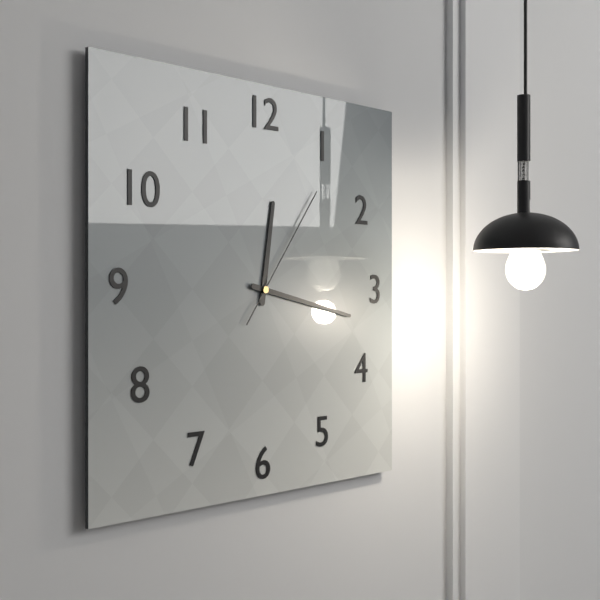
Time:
12h17m06s
